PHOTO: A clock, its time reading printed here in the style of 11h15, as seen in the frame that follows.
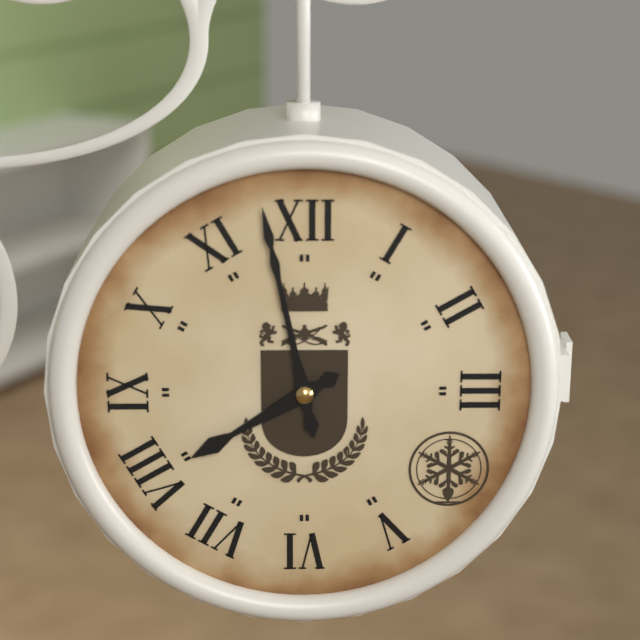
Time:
7h58
